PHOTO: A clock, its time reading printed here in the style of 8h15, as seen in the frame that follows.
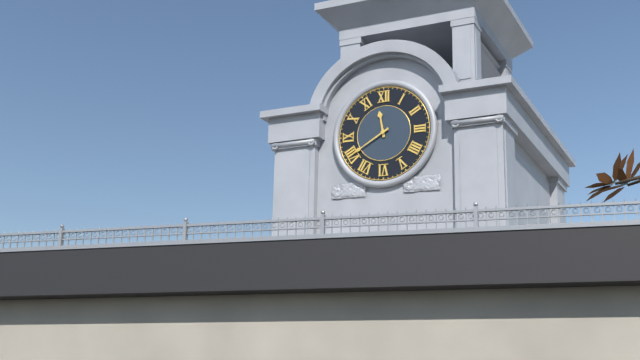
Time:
11h40
